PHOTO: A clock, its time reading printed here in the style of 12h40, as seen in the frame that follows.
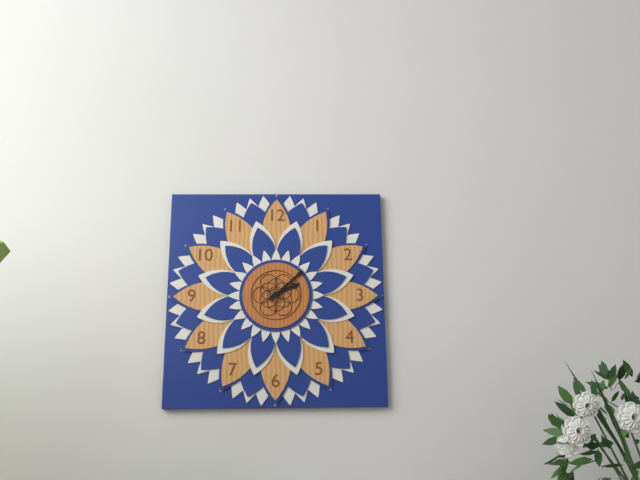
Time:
2h08
